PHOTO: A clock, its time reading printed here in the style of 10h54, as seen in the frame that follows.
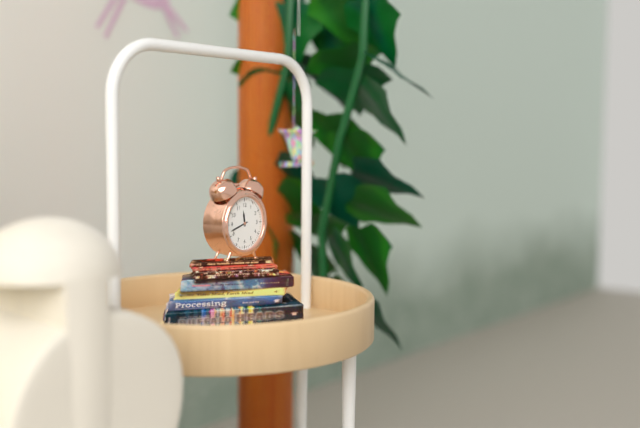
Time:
11h42
